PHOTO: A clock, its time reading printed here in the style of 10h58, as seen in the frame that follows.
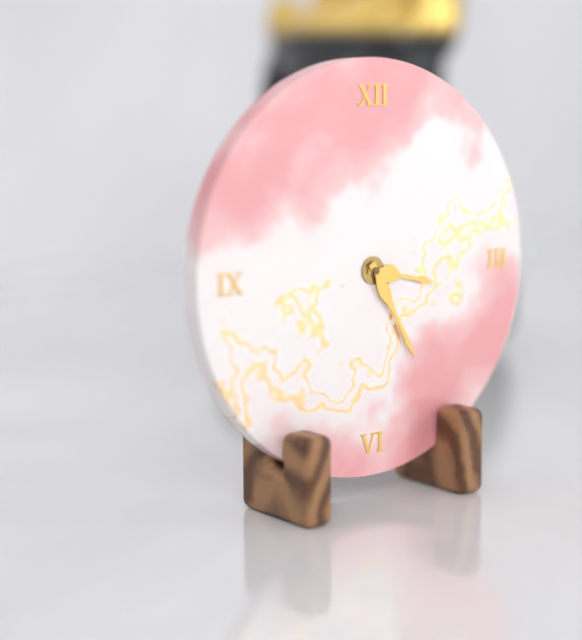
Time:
3h25
